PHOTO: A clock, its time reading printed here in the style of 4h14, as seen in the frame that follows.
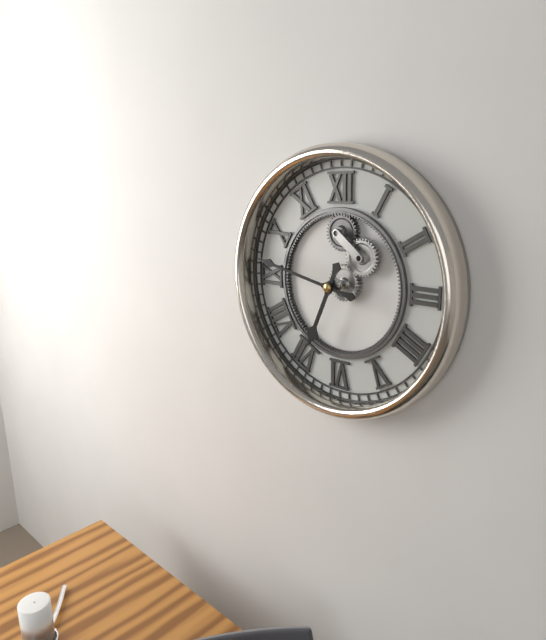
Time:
6h47
